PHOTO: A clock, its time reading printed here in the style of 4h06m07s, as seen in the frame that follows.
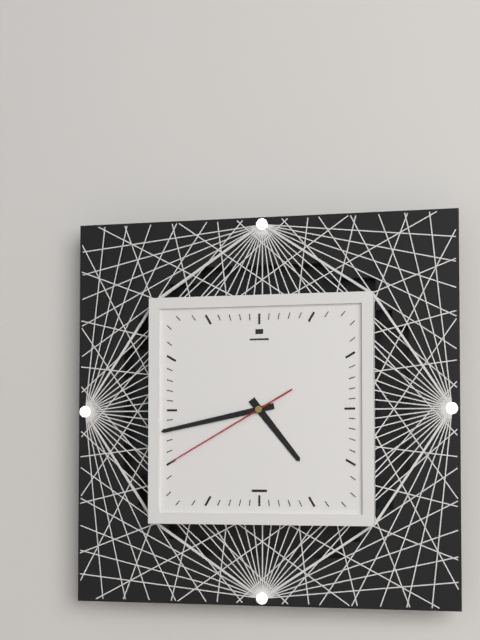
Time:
4h43m40s
